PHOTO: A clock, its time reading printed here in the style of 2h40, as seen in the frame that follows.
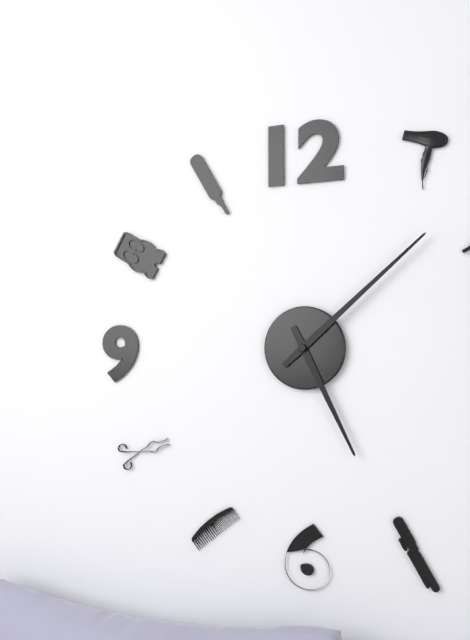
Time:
5h08
